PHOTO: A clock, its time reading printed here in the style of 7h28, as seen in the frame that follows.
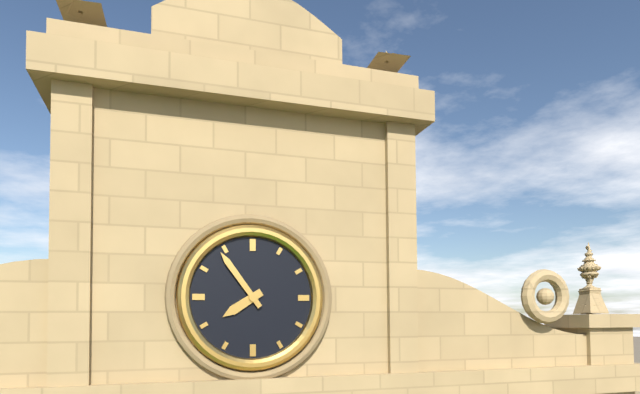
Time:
7h54
